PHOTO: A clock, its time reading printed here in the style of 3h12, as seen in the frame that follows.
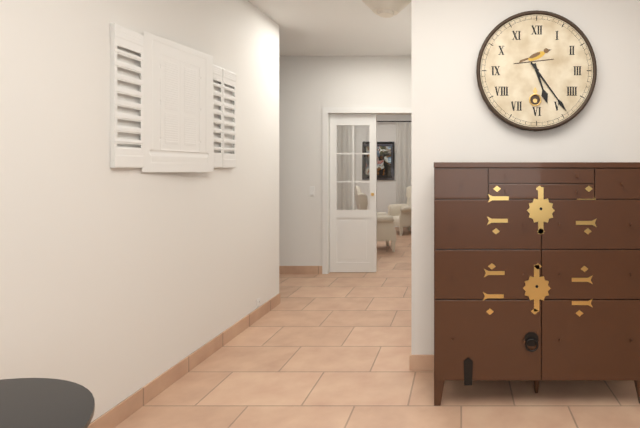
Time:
5h24
